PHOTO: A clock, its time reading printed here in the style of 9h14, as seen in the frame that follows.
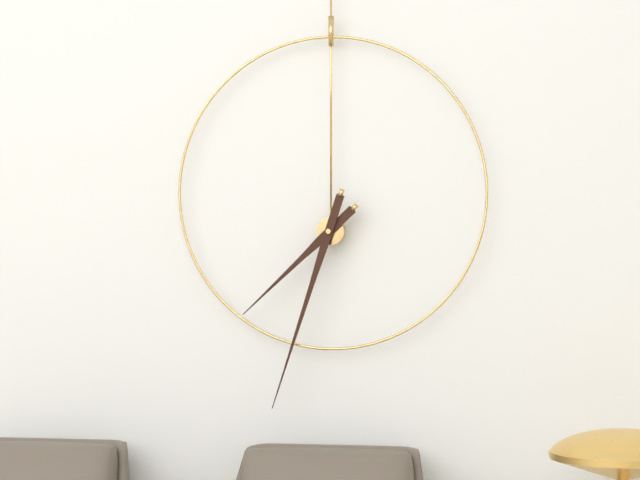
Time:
7h33
